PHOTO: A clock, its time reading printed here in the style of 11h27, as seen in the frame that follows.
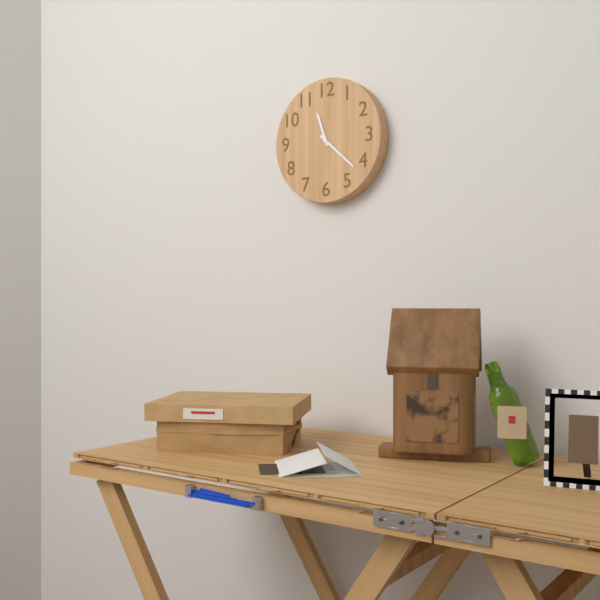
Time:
11h22
